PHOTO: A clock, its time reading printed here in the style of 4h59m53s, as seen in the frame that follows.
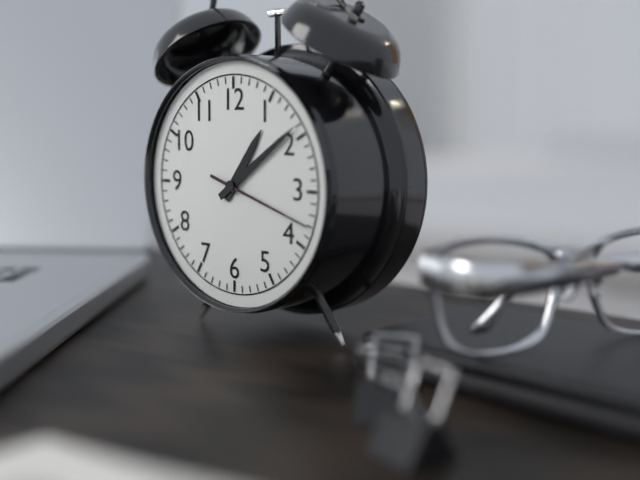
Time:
1h09m18s
